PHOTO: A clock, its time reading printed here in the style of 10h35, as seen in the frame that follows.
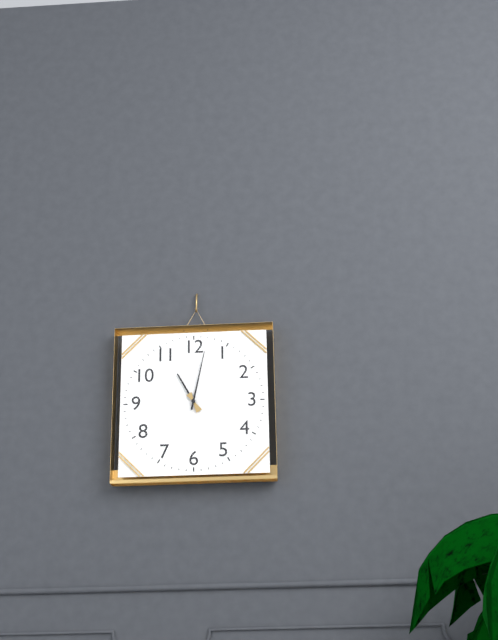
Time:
11h02
